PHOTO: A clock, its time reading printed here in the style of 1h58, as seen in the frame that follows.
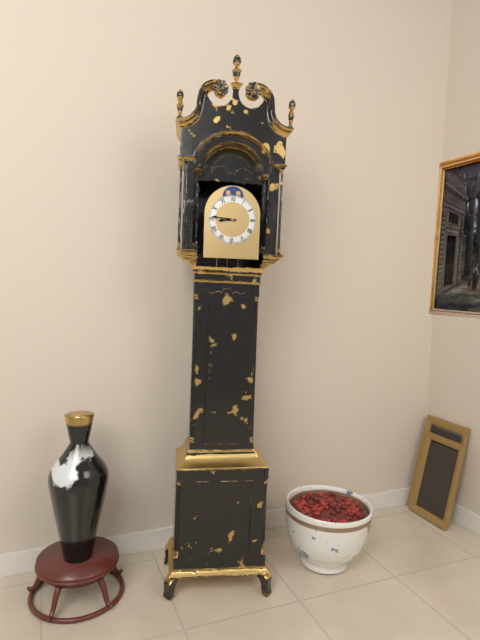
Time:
8h46
